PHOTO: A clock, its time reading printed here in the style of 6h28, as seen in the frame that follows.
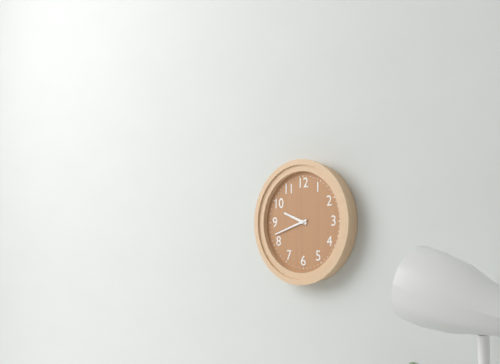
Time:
9h42
